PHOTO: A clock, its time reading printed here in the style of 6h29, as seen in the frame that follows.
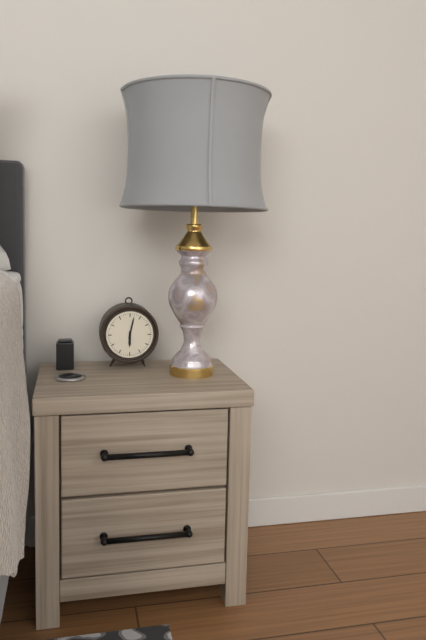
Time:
6h02
